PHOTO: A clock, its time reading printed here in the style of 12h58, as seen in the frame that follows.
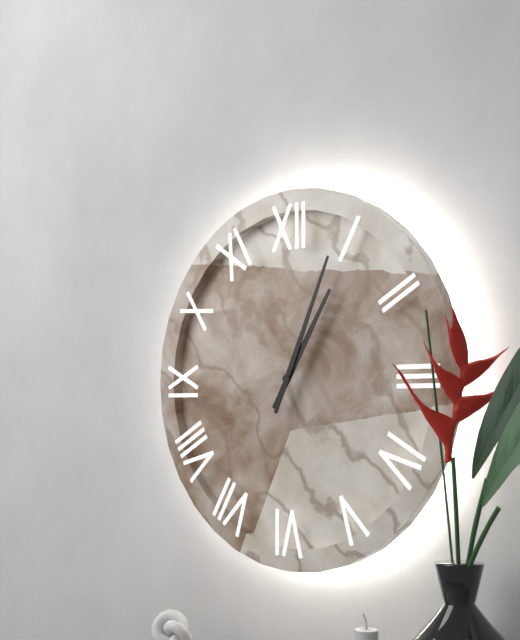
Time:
1h04
